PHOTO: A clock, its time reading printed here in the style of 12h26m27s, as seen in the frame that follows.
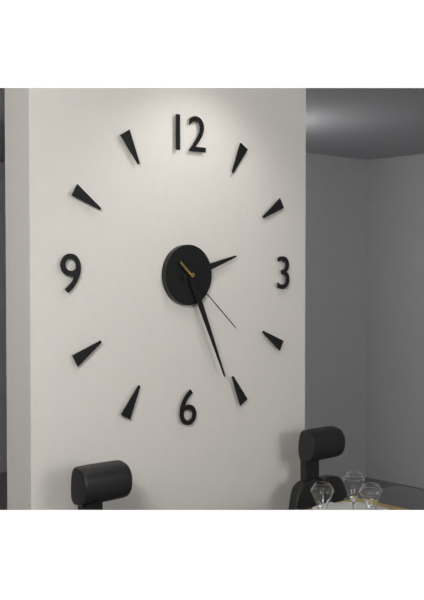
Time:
2h26m22s
